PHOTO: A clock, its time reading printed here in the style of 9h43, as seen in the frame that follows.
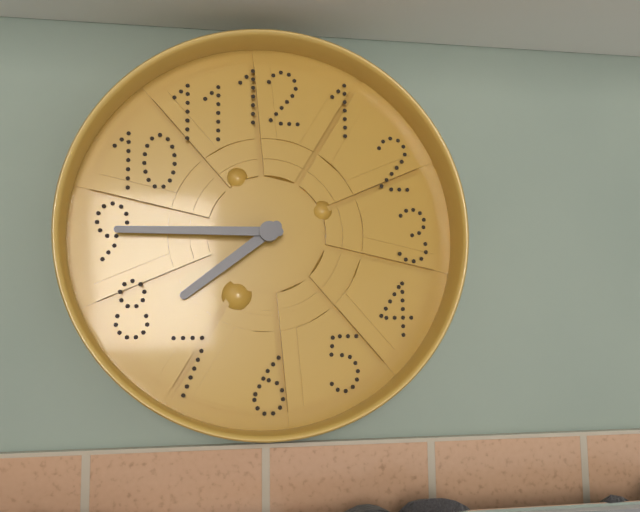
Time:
7h45
